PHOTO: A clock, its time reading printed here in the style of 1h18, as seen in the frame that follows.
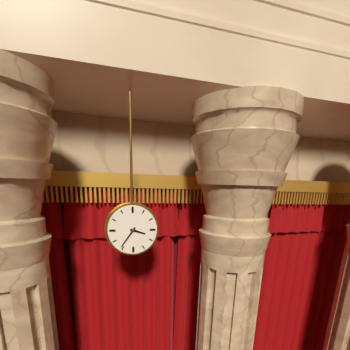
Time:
3h36
